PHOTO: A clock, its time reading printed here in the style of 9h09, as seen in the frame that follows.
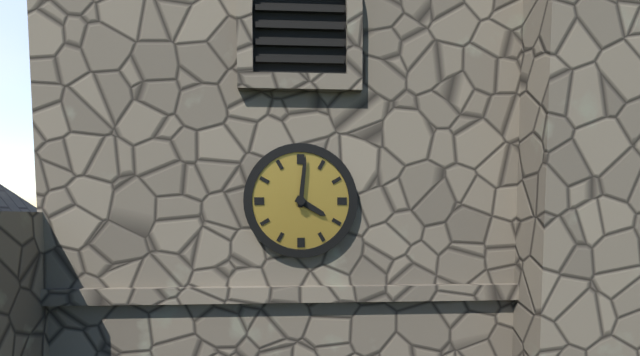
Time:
4h01
